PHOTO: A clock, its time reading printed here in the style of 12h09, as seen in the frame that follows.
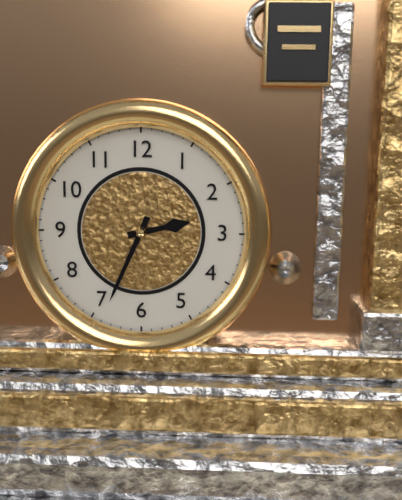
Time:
2h34
